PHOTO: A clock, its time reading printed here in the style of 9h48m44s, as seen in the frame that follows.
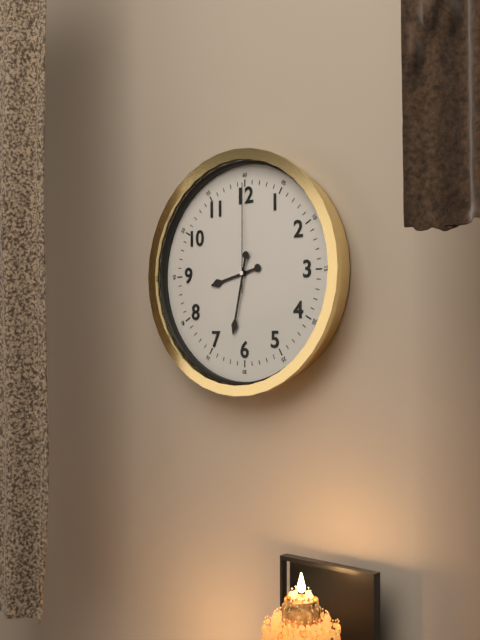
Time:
8h32m00s
